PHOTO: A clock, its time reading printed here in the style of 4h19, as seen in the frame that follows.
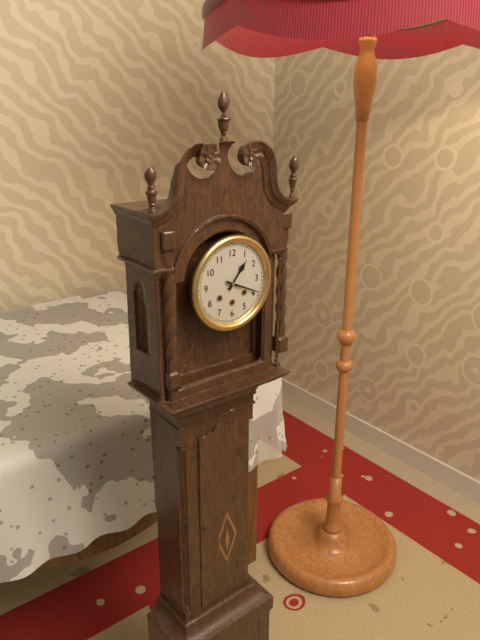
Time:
1h19
